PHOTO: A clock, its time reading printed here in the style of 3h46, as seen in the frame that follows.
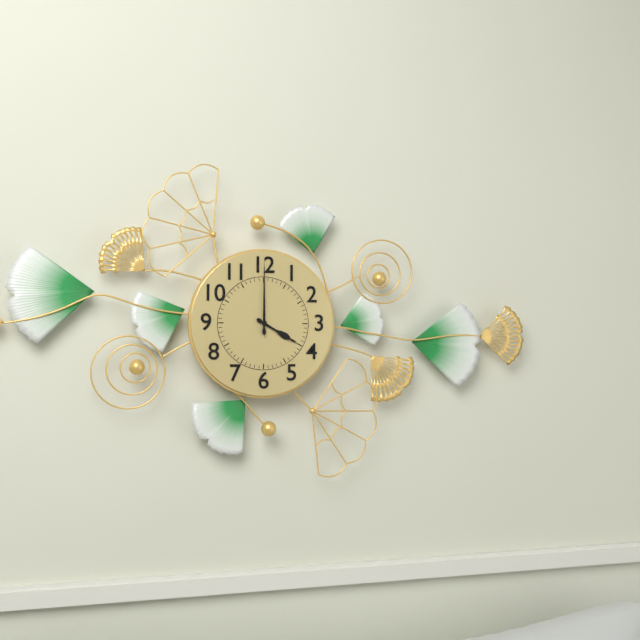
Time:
4h00
